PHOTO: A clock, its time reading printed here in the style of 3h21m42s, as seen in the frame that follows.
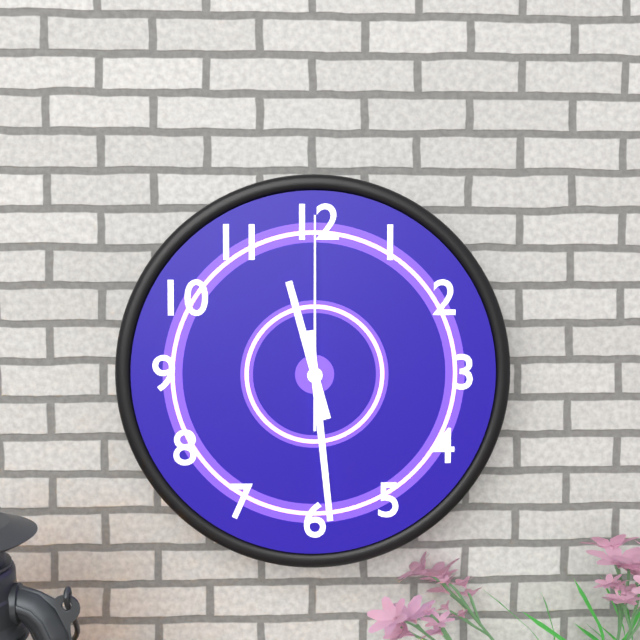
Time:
11h29m00s
